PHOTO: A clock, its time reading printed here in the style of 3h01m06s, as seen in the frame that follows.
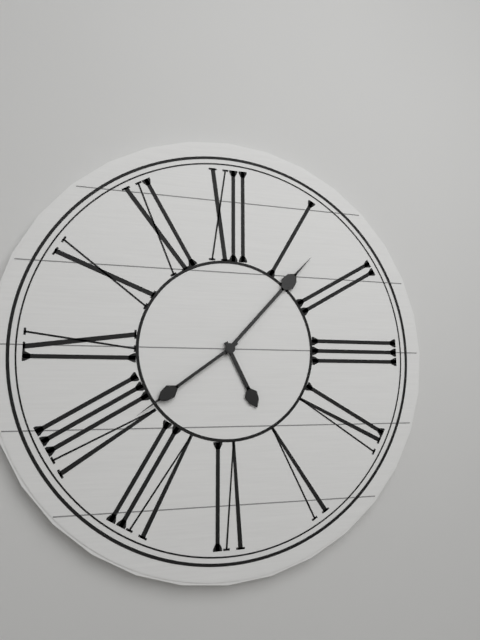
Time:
5h07m39s
